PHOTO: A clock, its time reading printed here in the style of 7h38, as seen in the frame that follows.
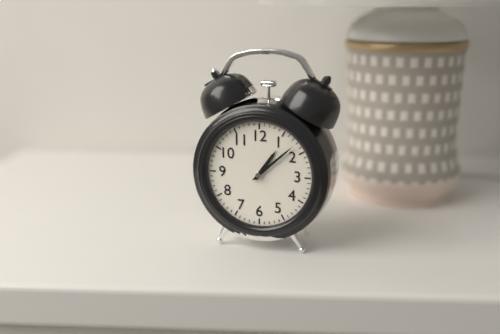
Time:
1h08
